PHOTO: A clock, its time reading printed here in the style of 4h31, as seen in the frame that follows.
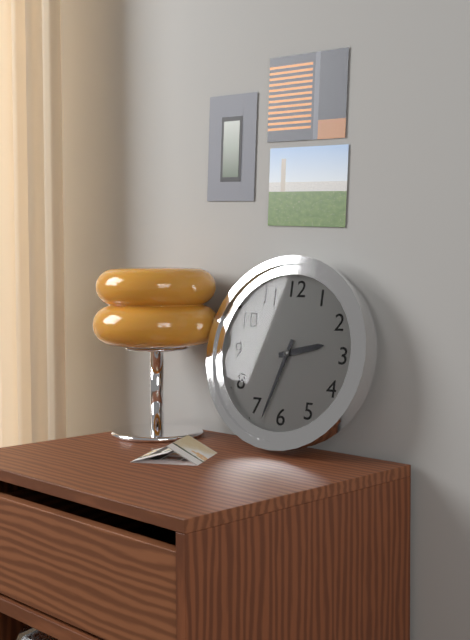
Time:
2h33
